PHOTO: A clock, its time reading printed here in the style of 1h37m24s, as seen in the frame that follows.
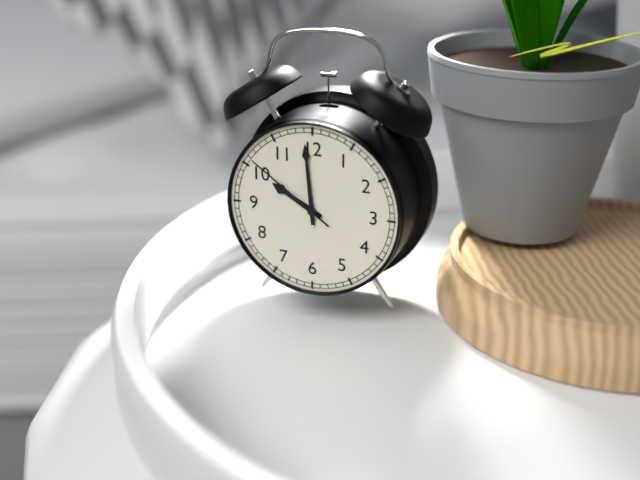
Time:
9h59m51s
